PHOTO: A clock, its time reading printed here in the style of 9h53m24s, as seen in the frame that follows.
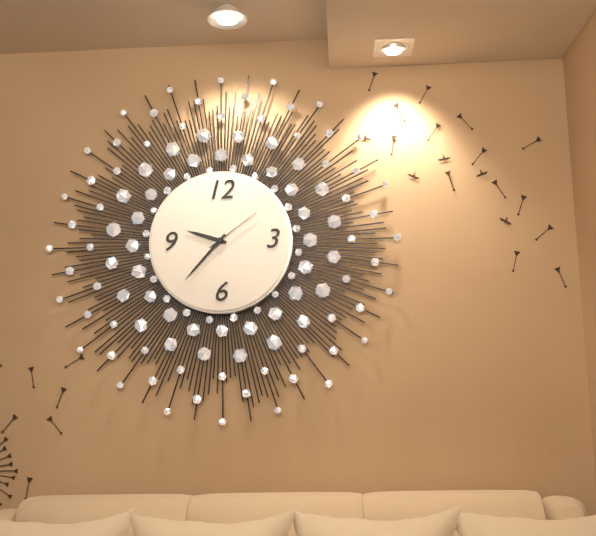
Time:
9h37m09s
